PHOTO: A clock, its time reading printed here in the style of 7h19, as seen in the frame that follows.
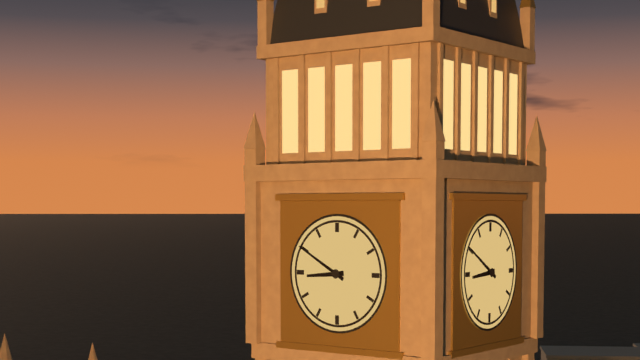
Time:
8h50
